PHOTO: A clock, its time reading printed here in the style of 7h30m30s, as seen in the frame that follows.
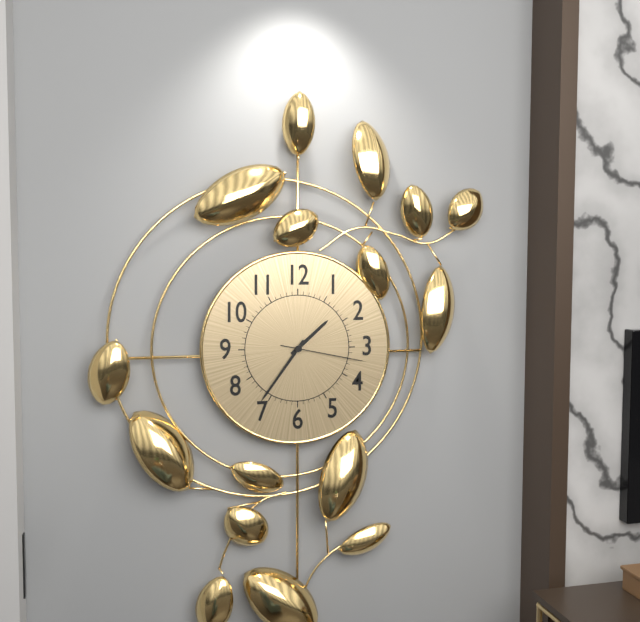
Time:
1h36m17s
